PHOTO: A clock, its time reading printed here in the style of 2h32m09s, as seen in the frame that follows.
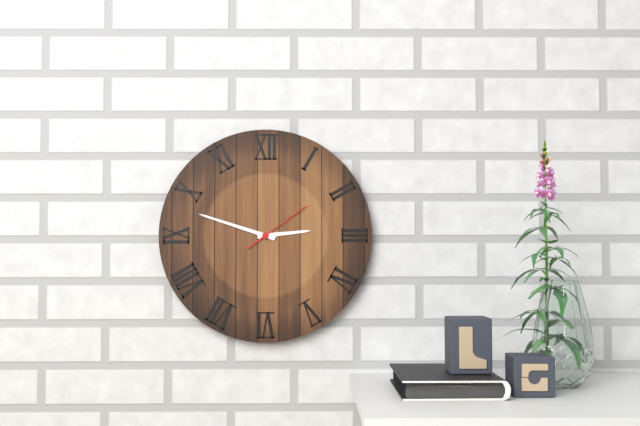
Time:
2h48m09s
